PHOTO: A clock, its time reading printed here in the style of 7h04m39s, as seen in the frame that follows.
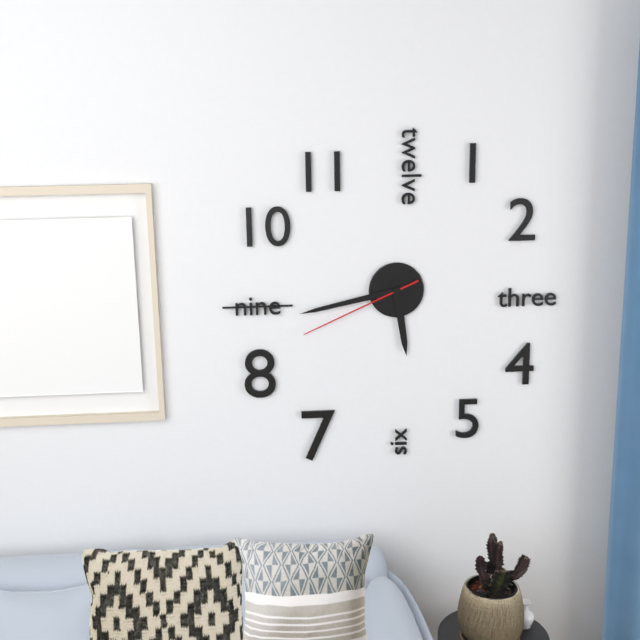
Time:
5h43m41s
